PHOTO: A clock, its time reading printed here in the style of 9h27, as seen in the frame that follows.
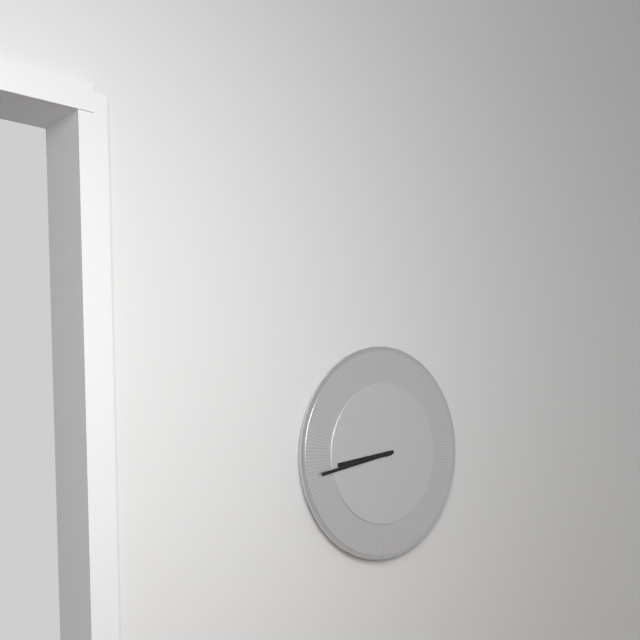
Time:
8h43
